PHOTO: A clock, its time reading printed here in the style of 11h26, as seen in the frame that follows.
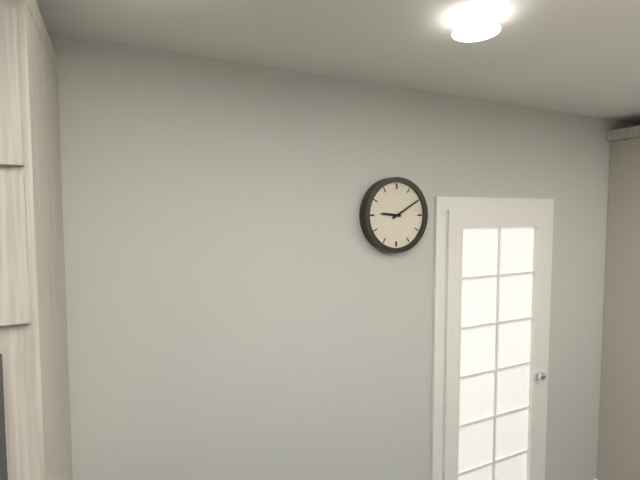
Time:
9h10
